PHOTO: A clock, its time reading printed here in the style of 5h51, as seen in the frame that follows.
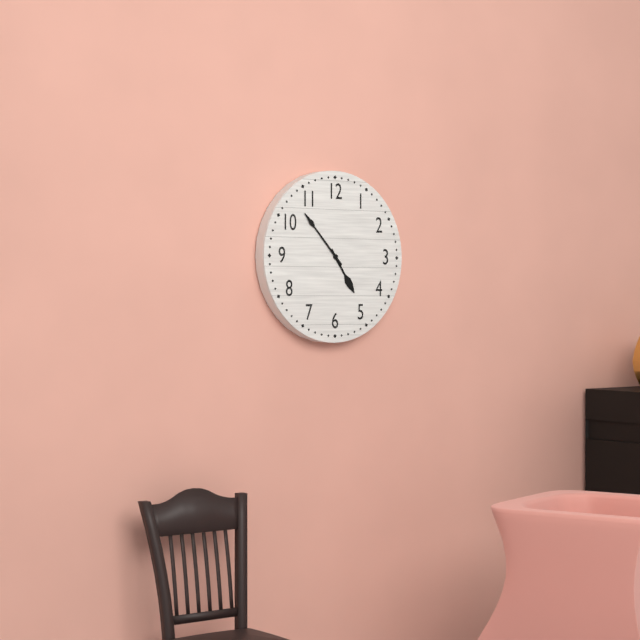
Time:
4h53
